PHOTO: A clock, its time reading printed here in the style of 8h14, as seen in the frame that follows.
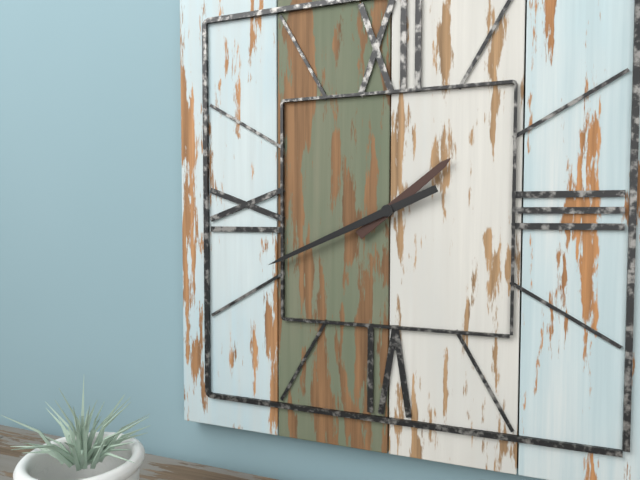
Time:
1h41
